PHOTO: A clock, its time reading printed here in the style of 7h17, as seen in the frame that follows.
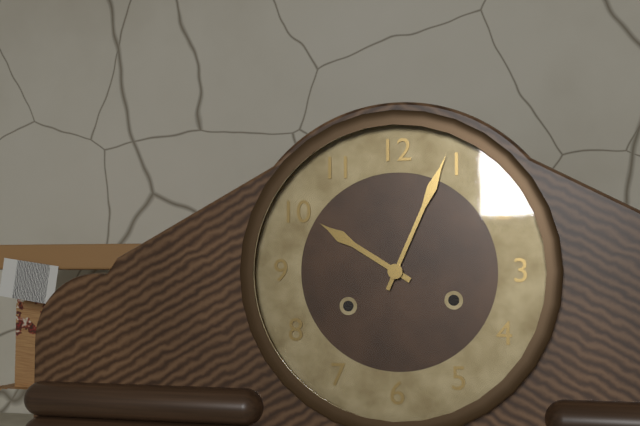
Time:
10h04
